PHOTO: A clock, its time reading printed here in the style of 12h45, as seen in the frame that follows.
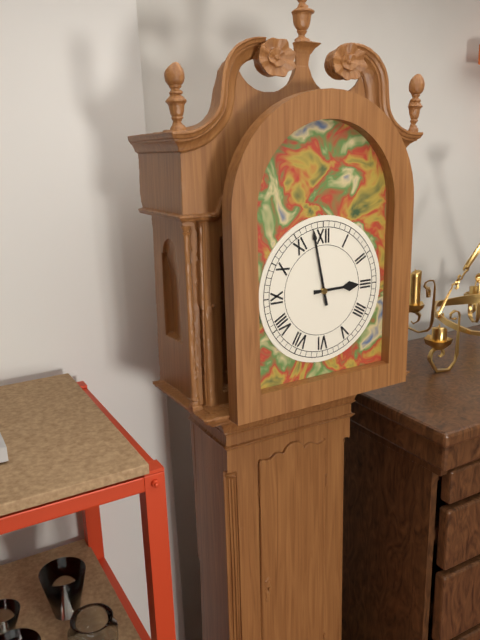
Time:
2h58
